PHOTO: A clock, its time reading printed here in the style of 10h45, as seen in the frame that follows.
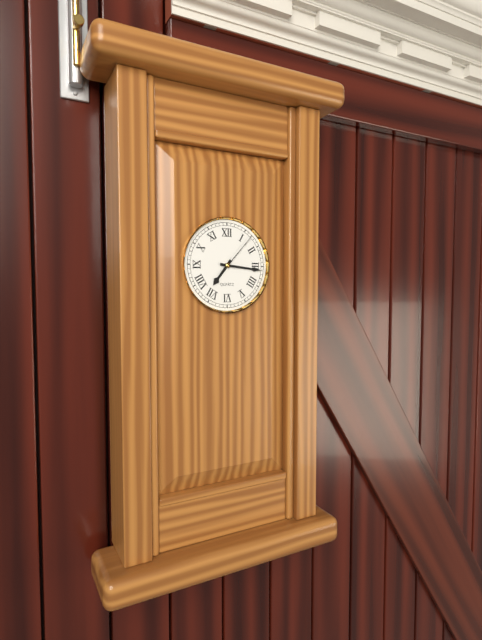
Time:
7h16
